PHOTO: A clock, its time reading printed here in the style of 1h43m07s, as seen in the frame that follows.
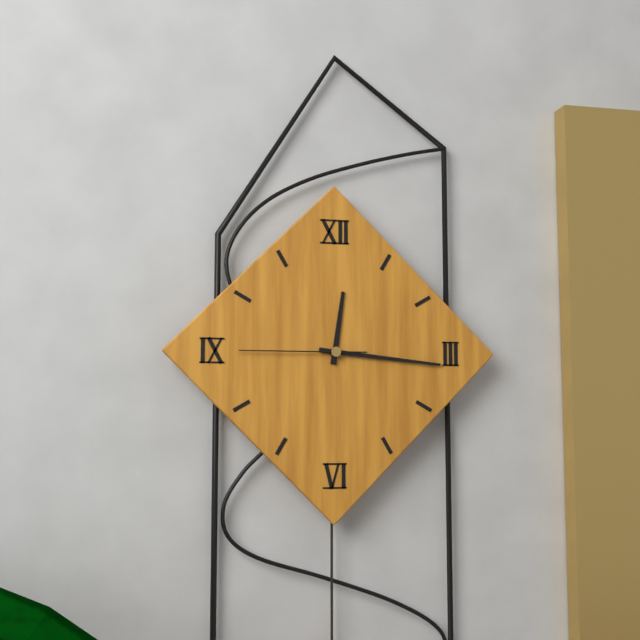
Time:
12h16m45s
